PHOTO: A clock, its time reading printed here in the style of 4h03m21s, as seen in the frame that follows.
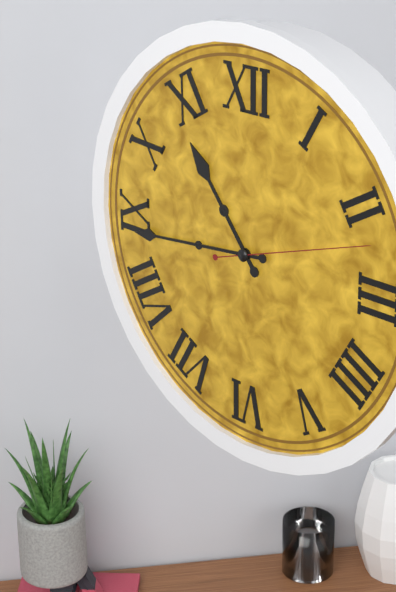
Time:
10h44m12s
